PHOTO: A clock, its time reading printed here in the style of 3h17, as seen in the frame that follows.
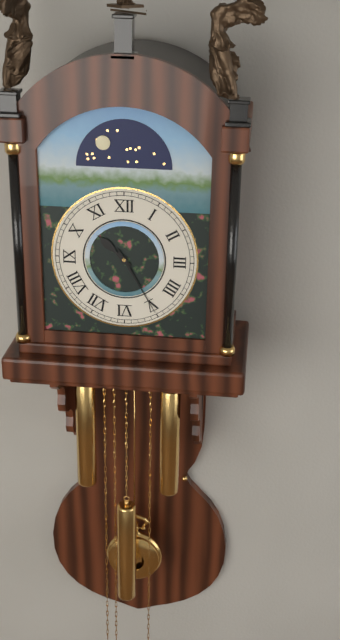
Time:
10h25
